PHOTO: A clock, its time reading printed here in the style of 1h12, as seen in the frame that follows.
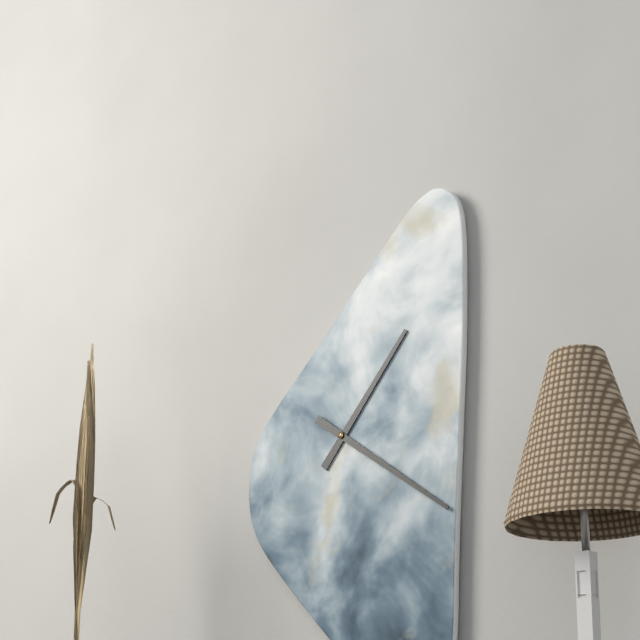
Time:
1h21
